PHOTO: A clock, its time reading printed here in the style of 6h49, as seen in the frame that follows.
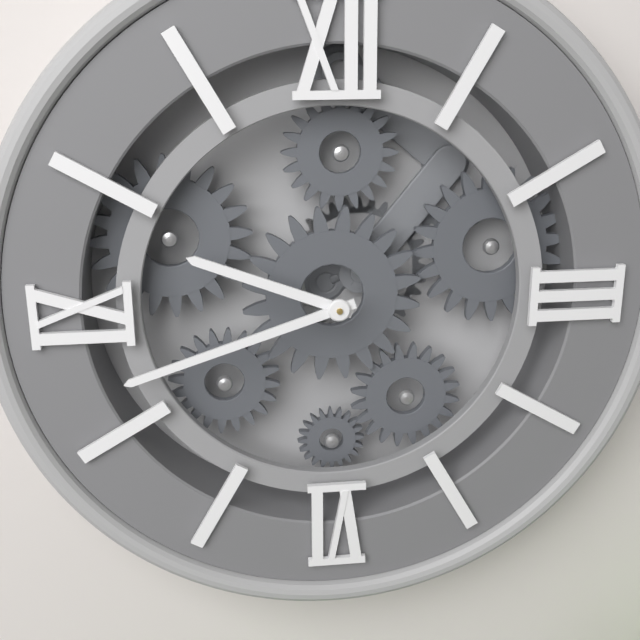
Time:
9h42
